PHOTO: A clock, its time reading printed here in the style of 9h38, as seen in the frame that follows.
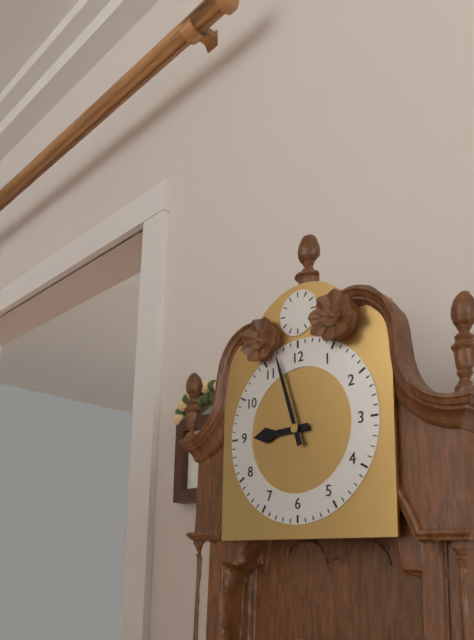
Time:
8h57
